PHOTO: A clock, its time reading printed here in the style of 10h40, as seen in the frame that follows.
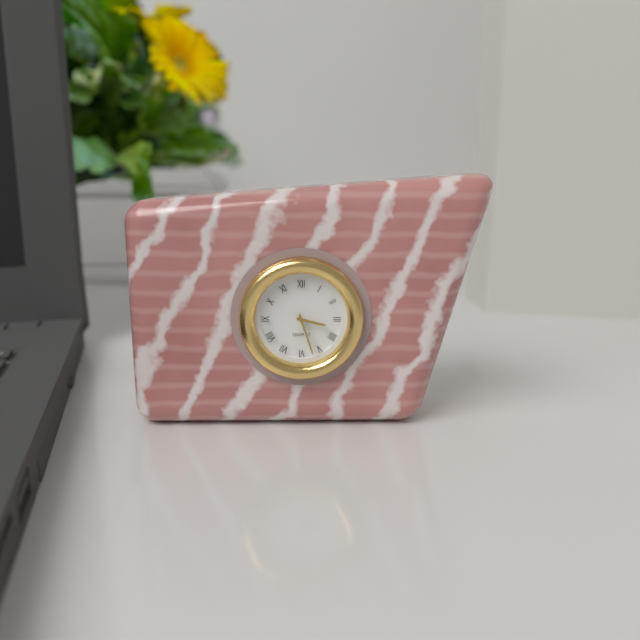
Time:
3h27
